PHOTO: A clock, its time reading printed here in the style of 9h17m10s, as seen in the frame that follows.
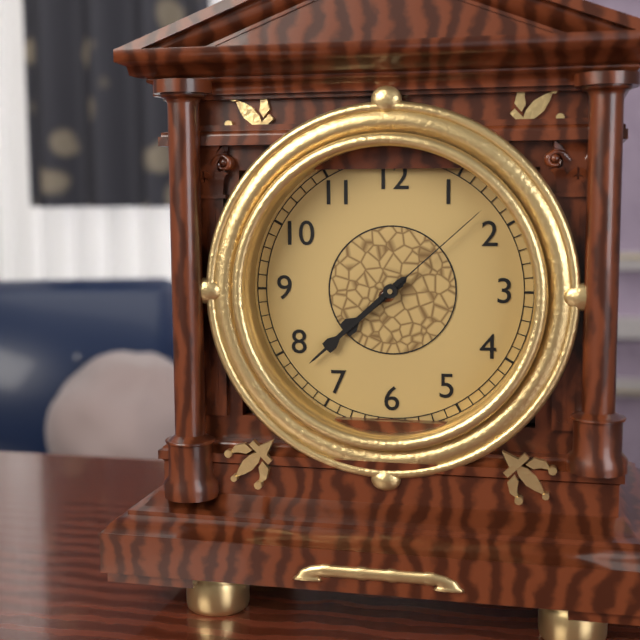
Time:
7h38m08s
